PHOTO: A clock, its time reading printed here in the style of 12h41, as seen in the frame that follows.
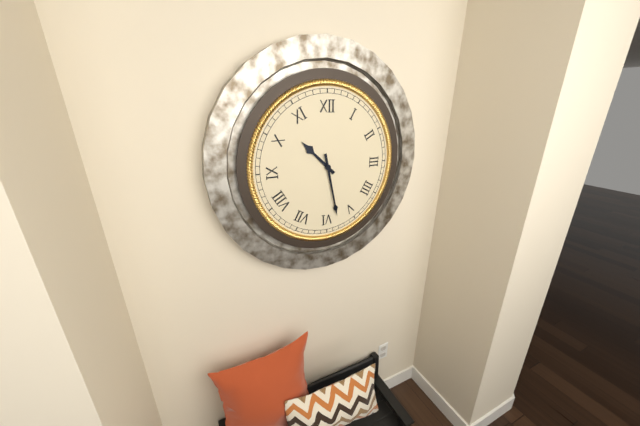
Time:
10h28
